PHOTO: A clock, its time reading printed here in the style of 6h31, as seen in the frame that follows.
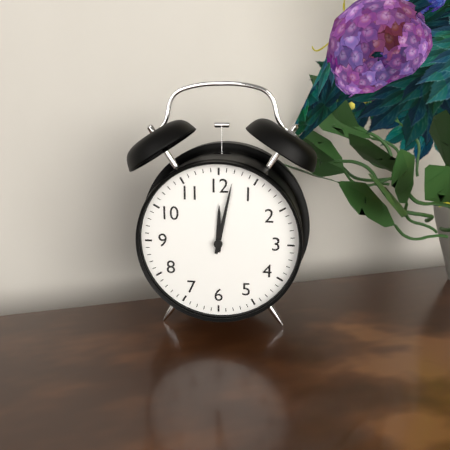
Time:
12h02
